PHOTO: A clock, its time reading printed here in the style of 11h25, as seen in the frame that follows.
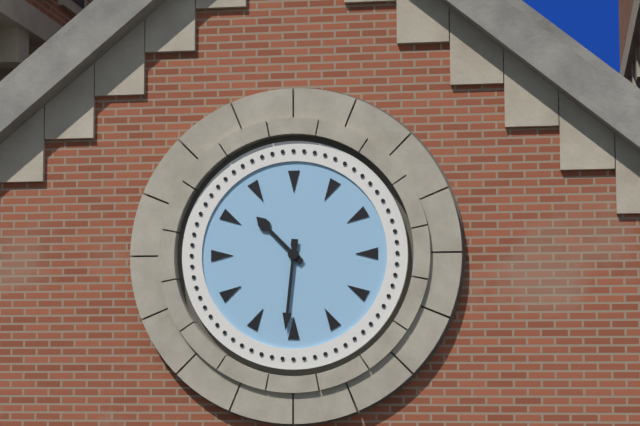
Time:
10h31
